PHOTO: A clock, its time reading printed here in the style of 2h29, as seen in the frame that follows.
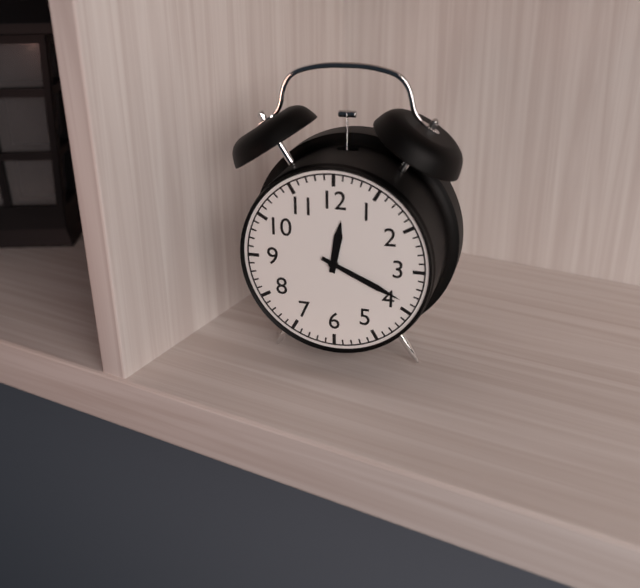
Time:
12h19
